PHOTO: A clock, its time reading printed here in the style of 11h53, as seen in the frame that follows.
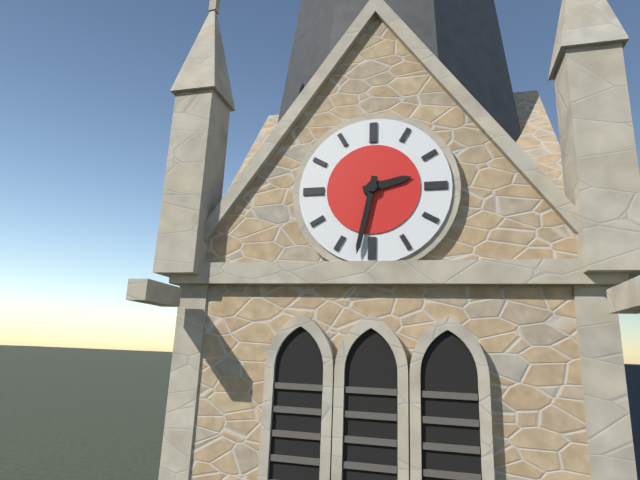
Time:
2h32
